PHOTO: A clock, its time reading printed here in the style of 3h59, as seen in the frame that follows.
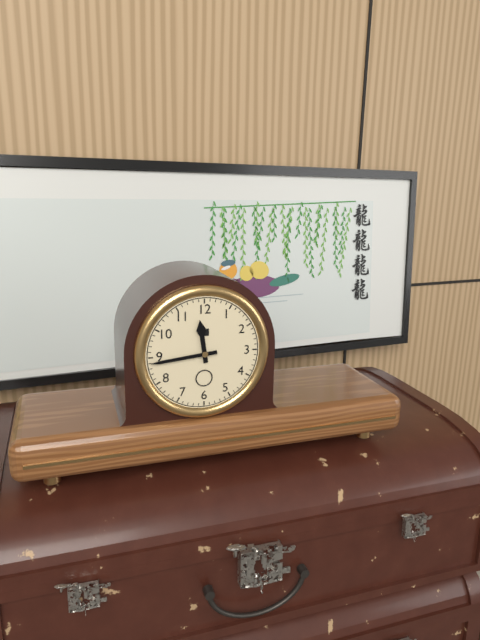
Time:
11h44
